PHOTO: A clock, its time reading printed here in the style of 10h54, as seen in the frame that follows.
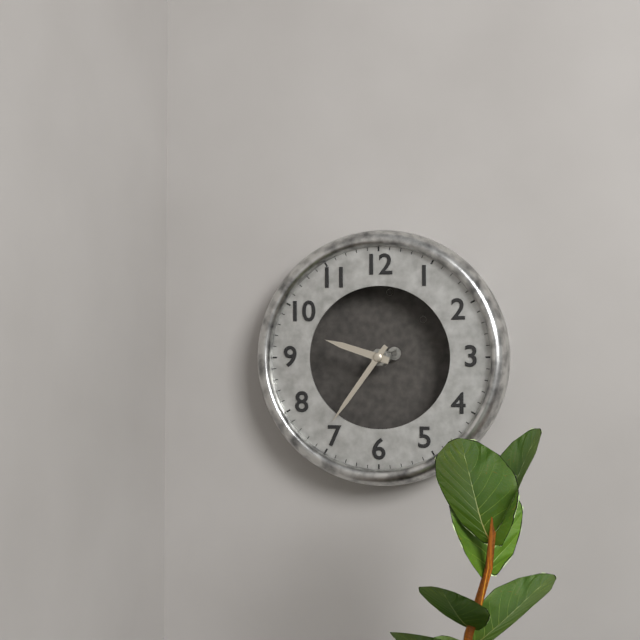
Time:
9h36
